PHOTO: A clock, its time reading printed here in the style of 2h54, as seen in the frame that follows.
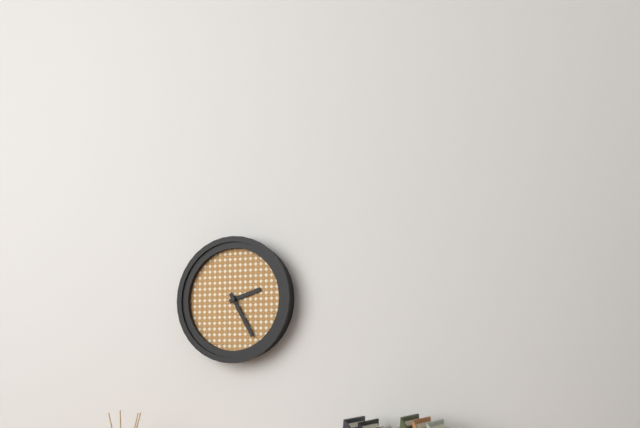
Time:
2h25
